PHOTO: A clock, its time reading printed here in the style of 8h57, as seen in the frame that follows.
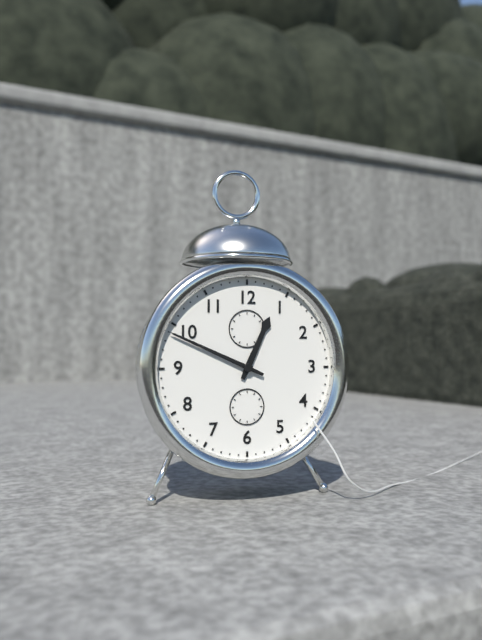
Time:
12h49
